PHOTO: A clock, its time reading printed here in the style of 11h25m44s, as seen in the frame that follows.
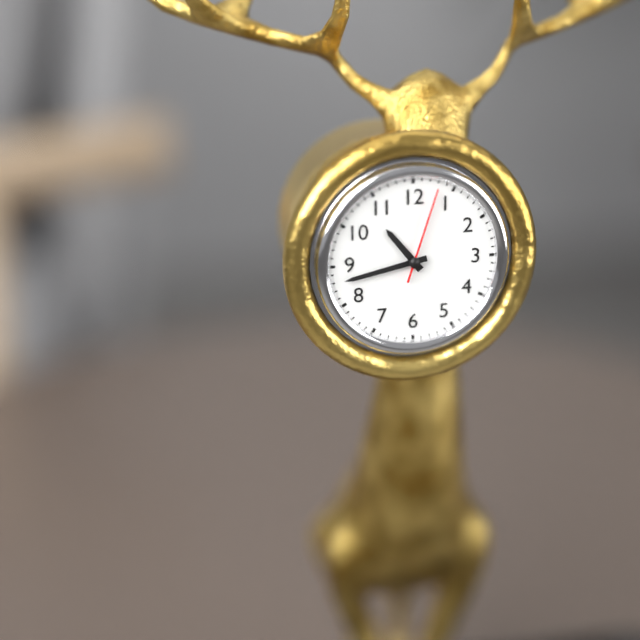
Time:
10h43m03s
